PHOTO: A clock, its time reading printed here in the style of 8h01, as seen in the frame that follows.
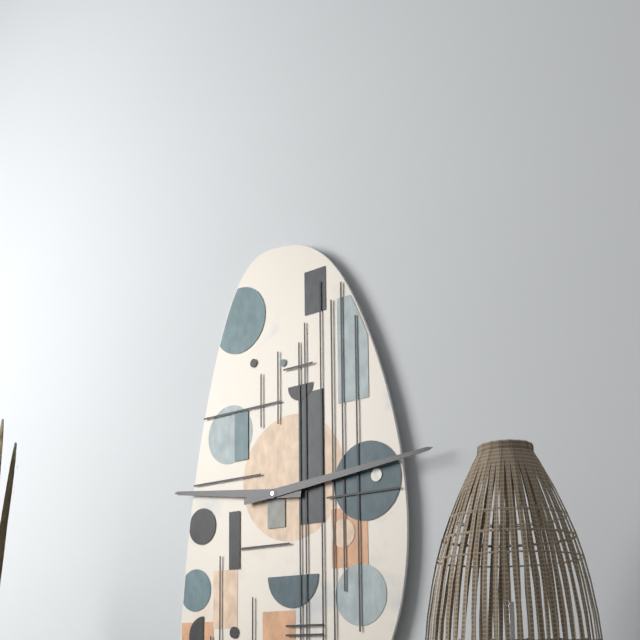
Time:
9h14
